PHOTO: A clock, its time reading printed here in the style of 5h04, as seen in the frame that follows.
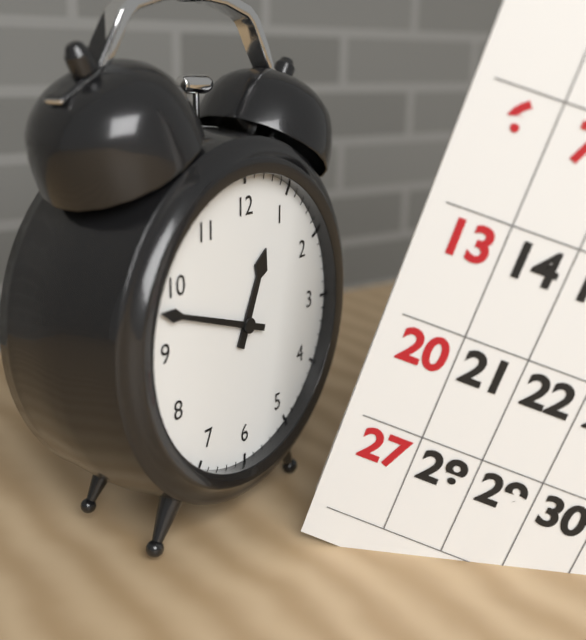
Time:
12h48
